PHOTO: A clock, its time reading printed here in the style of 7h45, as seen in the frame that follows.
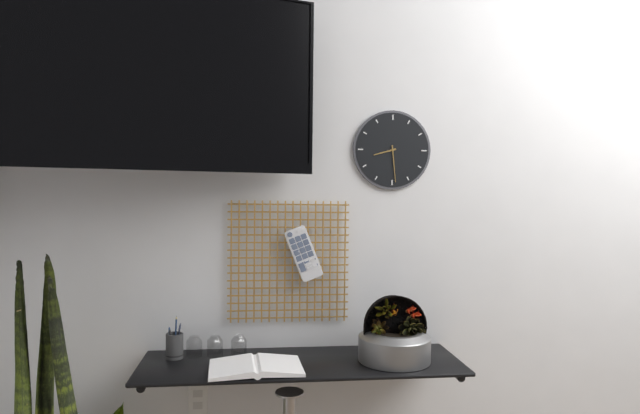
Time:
8h29
